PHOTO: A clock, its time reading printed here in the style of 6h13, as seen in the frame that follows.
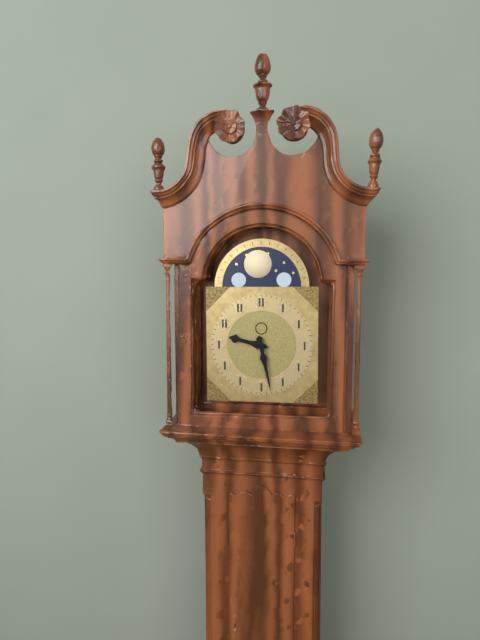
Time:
9h28
